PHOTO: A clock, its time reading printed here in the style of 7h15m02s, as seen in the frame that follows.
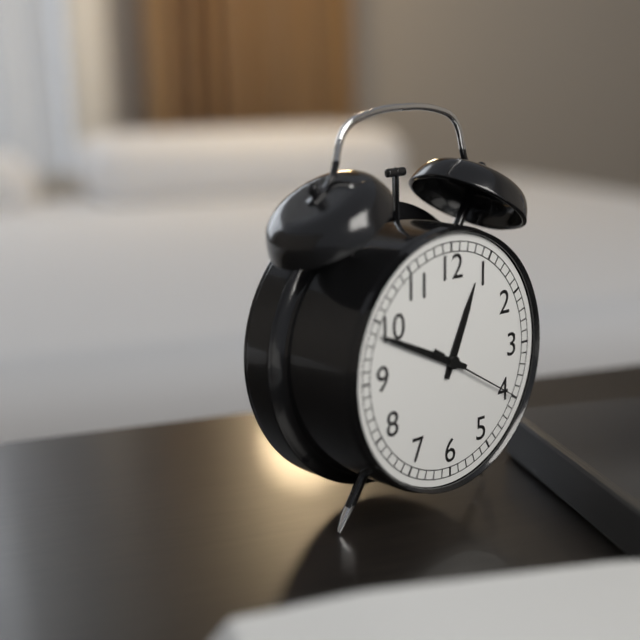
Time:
12h49m20s
